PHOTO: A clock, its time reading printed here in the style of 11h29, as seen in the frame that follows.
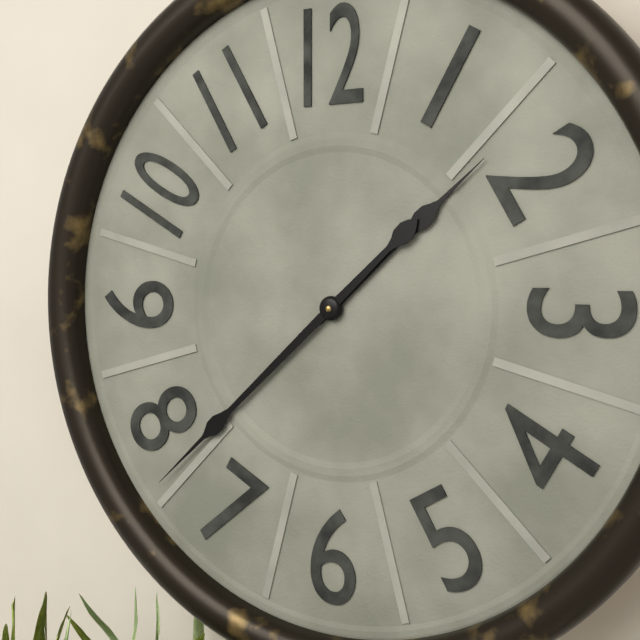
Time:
1h38
